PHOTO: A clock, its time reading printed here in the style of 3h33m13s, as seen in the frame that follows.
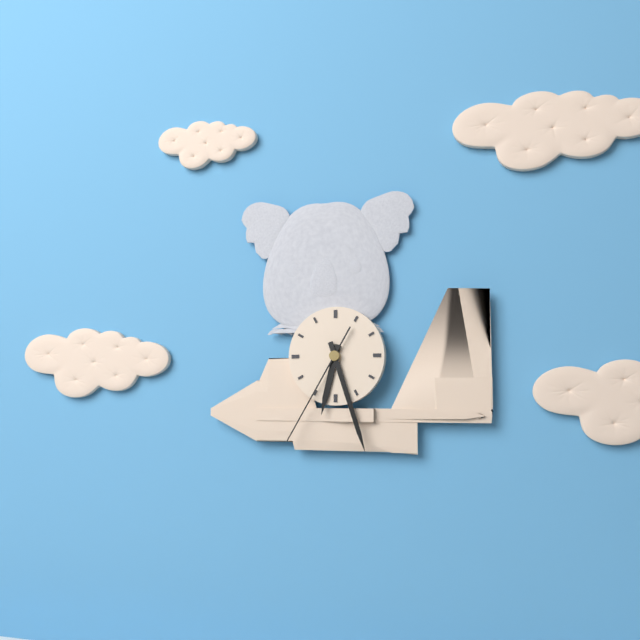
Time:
6h27m35s
